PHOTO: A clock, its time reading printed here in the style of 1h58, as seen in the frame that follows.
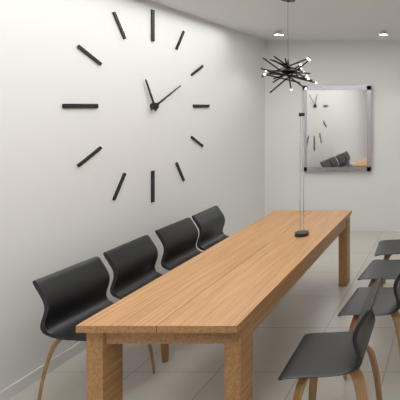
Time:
11h10
